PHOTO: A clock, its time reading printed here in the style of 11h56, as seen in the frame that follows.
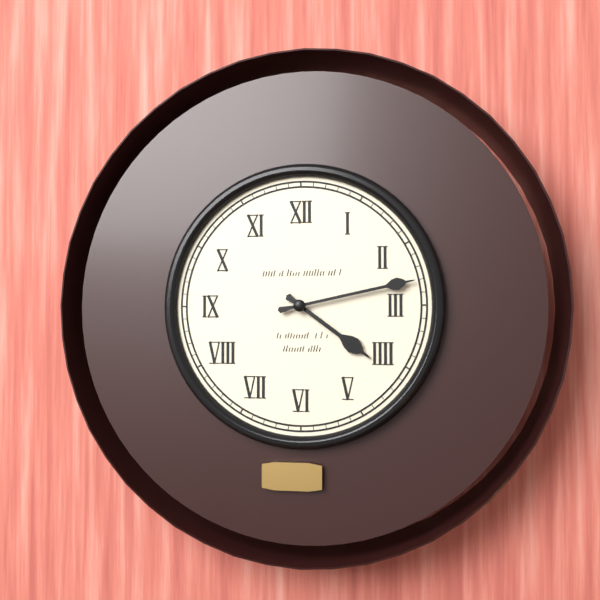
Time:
4h13
